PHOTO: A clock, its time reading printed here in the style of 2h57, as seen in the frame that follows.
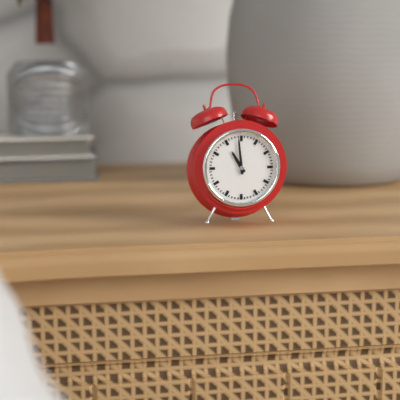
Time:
10h59
